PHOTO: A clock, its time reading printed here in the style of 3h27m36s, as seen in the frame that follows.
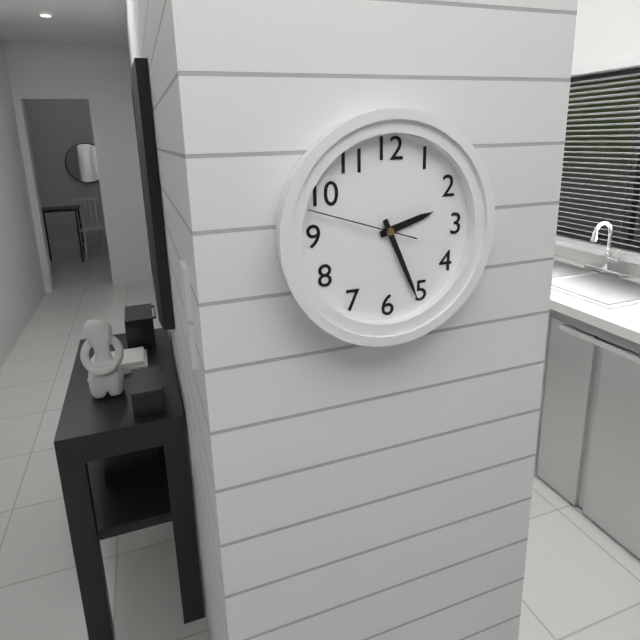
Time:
2h26m48s
